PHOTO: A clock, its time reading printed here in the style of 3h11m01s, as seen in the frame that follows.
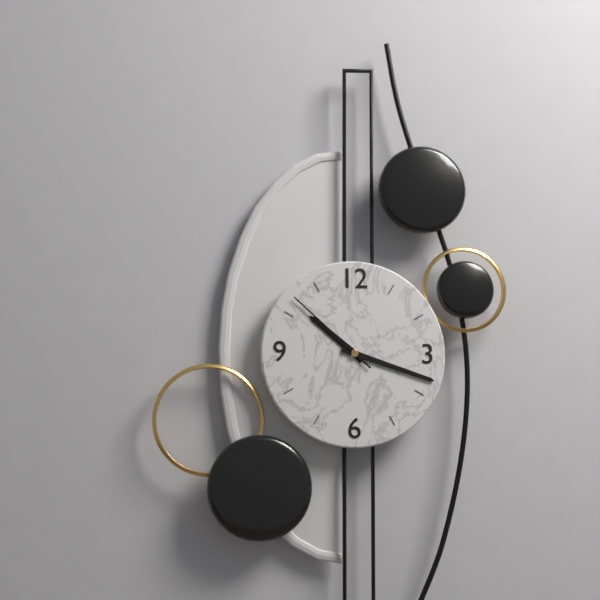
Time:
10h18m52s
